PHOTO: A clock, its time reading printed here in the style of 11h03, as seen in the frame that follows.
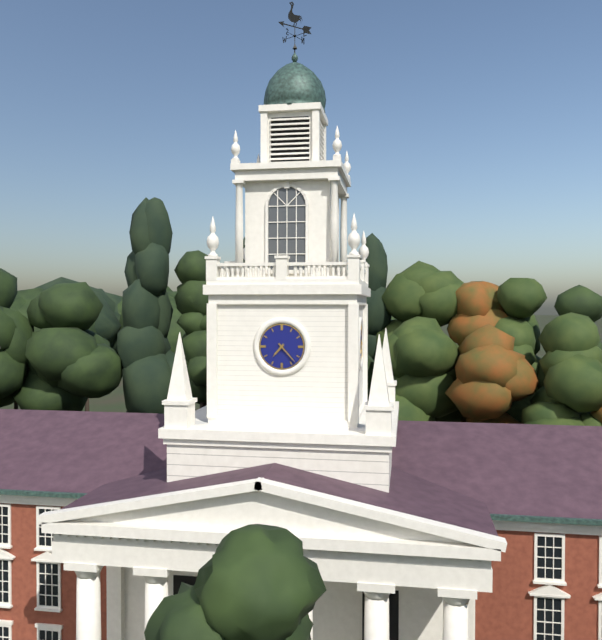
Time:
7h23
